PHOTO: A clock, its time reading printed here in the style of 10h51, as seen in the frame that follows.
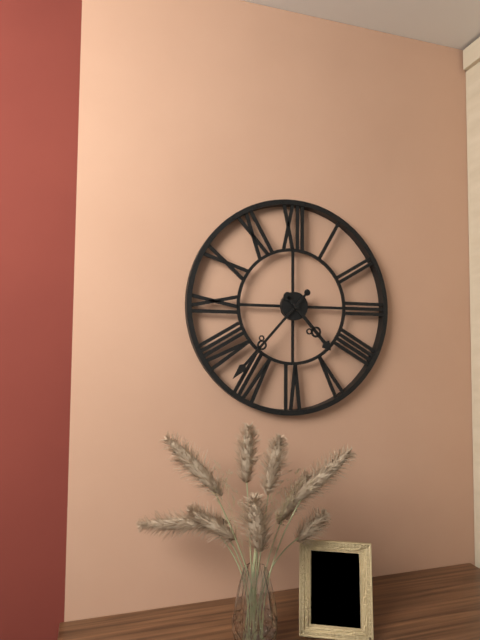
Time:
4h37
